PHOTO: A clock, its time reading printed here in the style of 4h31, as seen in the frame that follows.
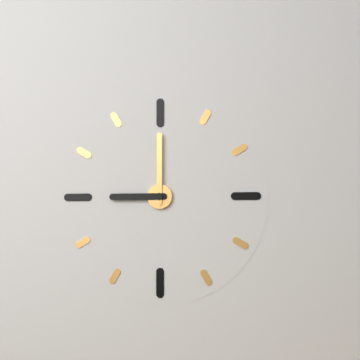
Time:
9h00
